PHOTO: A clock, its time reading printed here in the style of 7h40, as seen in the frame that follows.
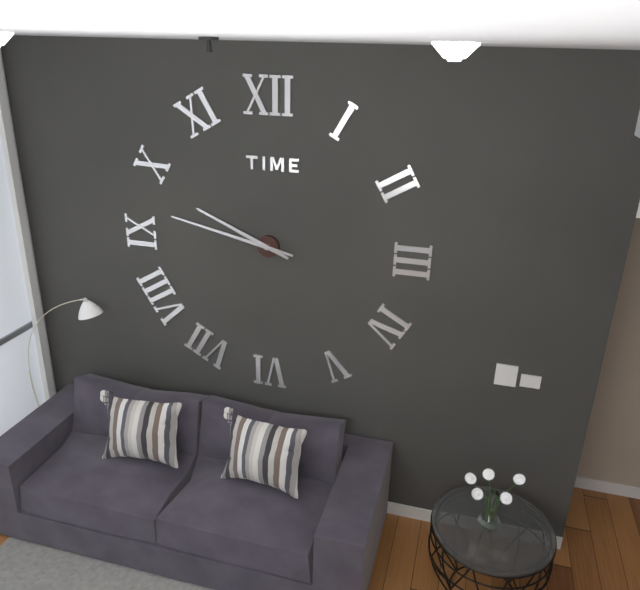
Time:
9h47
